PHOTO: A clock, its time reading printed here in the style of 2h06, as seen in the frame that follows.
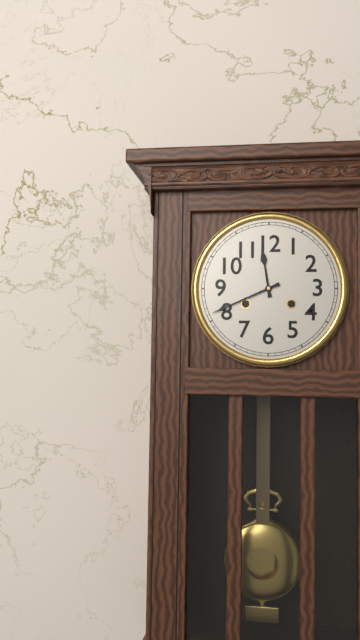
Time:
11h41
